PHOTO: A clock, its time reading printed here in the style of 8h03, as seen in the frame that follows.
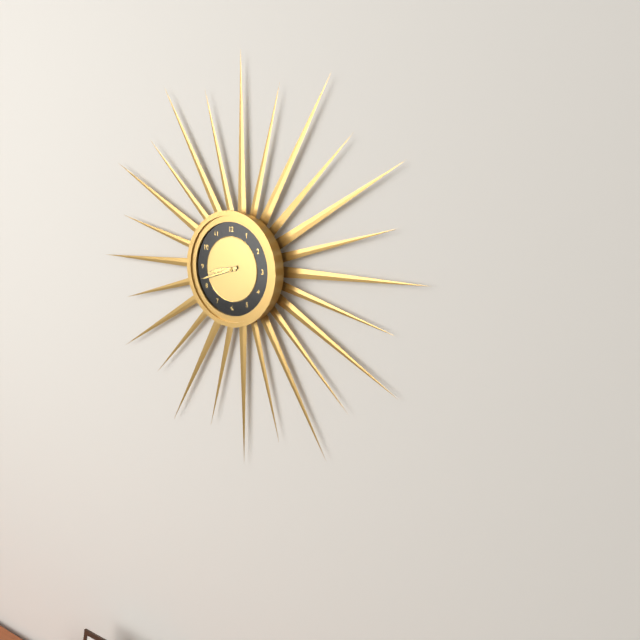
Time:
8h42
